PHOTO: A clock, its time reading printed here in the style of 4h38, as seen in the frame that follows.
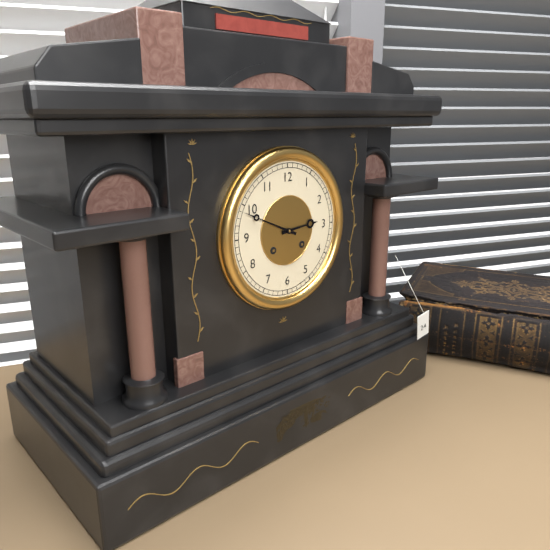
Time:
2h49
